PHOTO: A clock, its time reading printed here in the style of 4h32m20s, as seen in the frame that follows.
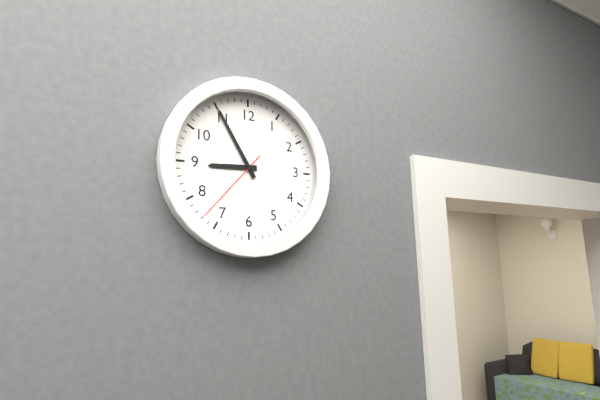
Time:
8h55m37s
